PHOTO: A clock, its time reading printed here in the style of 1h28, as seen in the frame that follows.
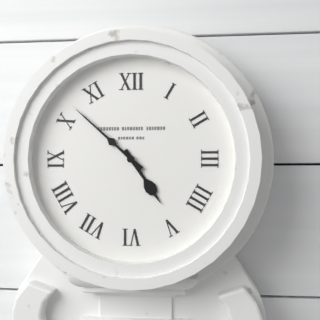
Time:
4h52
